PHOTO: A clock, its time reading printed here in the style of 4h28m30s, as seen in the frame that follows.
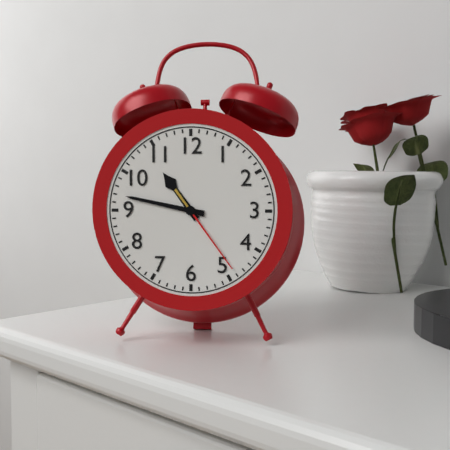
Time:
10h47m24s
